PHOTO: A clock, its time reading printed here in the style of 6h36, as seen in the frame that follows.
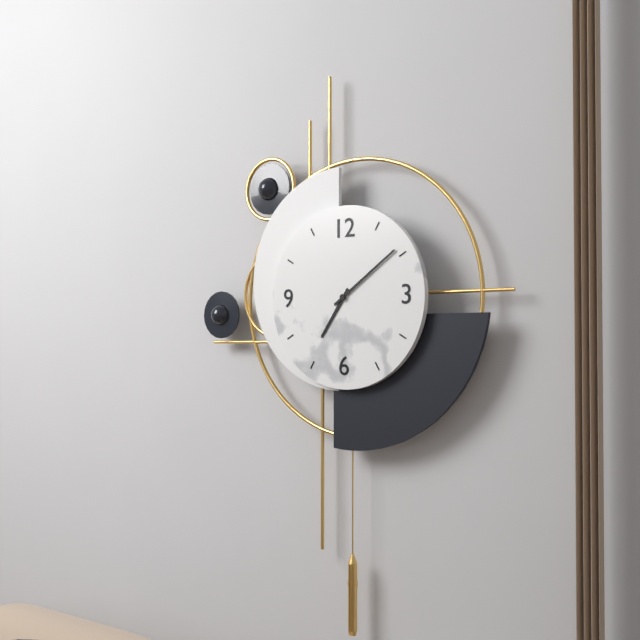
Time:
7h09
